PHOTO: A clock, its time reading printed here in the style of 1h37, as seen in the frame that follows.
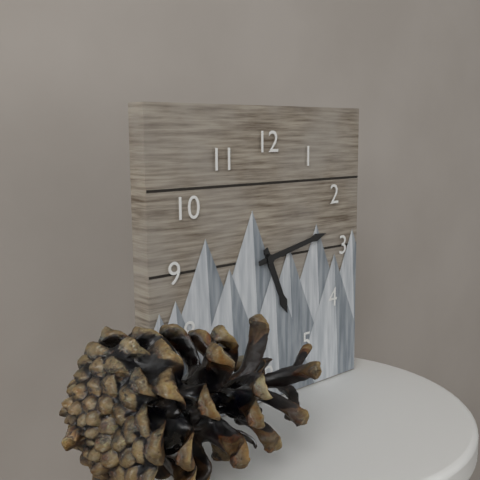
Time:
5h13
